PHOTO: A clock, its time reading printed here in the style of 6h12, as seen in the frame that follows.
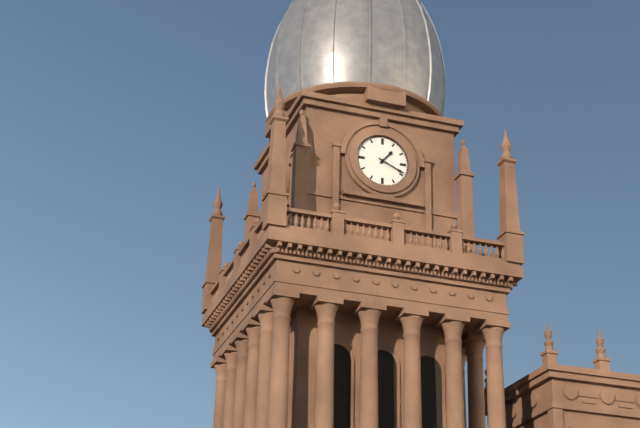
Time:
1h19
